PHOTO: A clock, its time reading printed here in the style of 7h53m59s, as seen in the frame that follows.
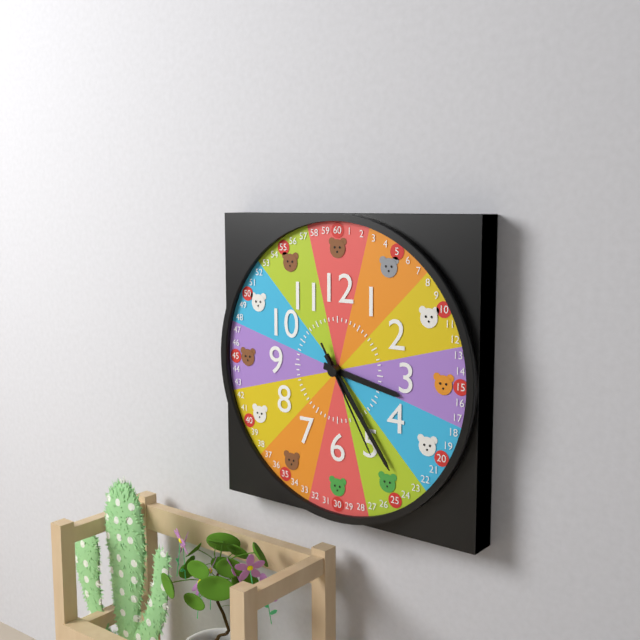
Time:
3h24m25s
